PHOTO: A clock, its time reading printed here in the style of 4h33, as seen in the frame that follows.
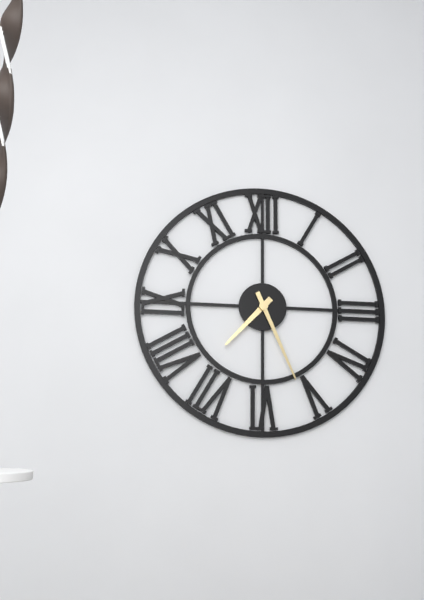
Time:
7h26
